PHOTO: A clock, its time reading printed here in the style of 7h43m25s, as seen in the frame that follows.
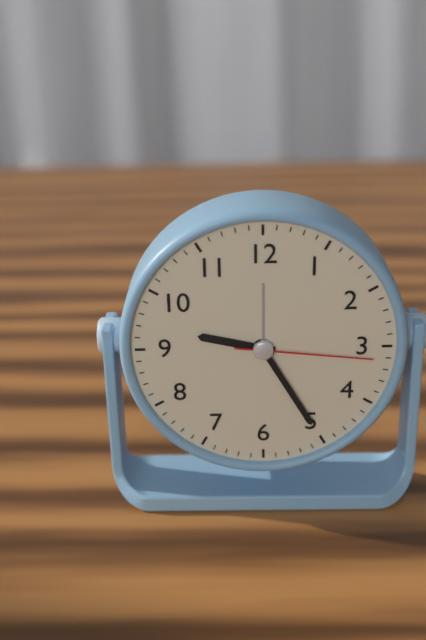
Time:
9h25m16s
